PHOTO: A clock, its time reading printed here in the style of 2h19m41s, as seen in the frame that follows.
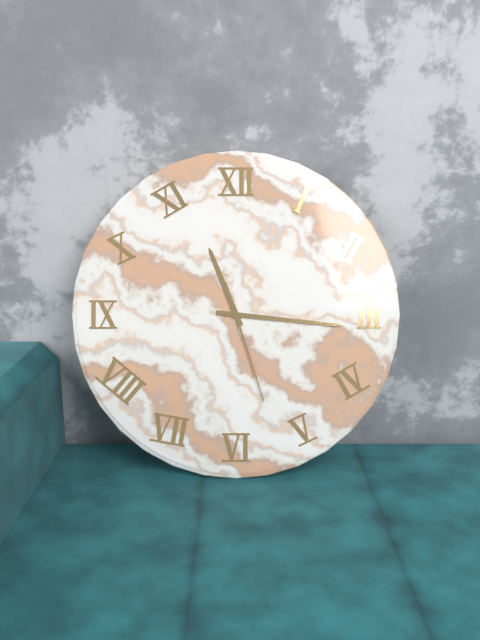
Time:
11h16m27s
